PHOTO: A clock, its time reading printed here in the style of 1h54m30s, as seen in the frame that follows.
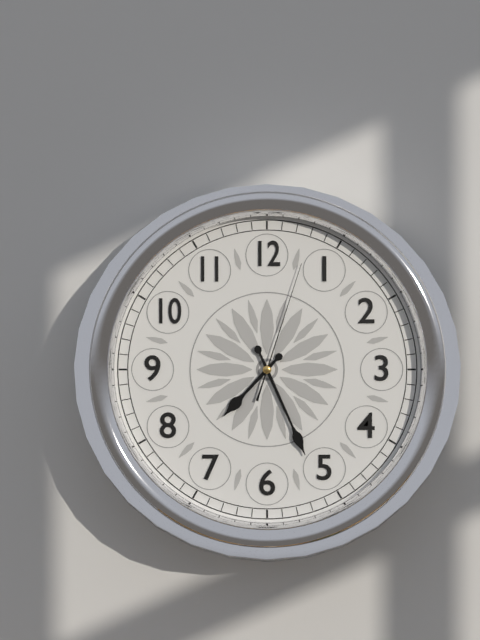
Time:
7h26m03s
